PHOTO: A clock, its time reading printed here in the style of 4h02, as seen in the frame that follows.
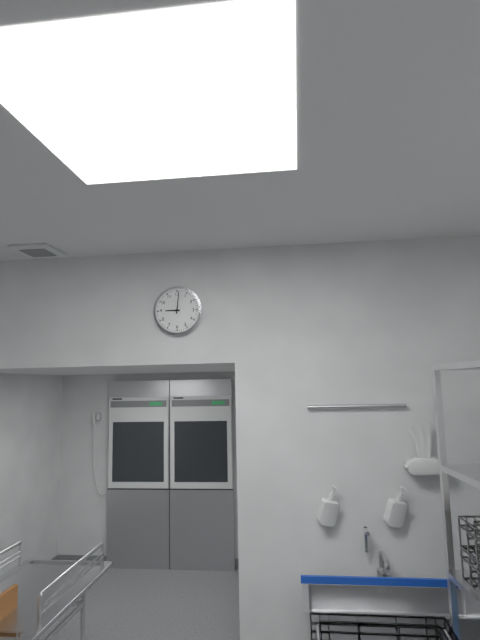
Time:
9h01
